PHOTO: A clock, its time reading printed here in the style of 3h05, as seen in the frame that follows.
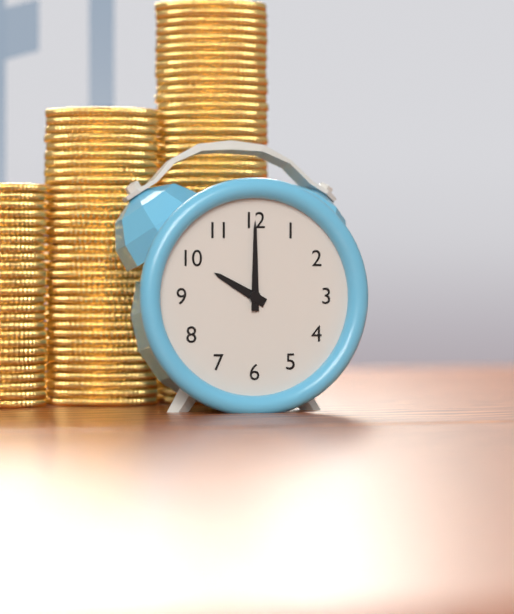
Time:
10h00
